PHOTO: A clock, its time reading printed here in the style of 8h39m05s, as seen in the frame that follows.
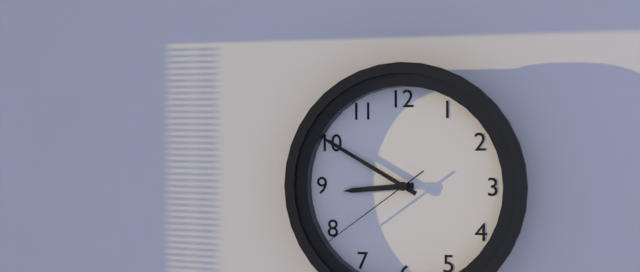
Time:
8h50m39s
